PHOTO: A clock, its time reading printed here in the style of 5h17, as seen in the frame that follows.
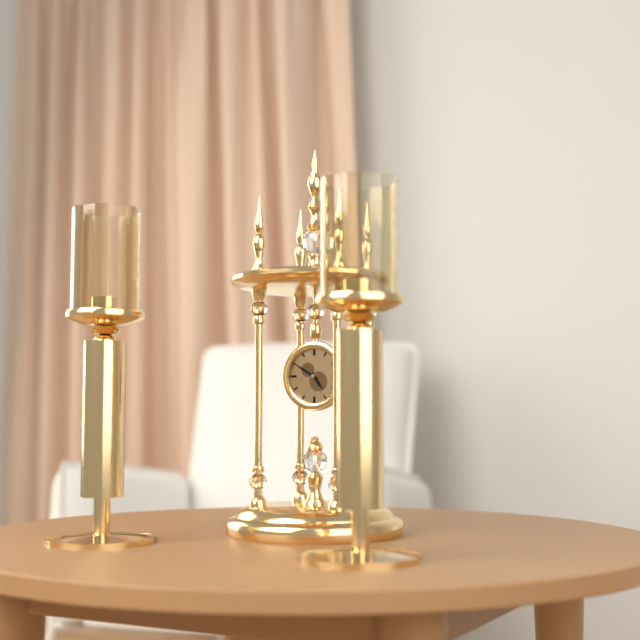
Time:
4h50
